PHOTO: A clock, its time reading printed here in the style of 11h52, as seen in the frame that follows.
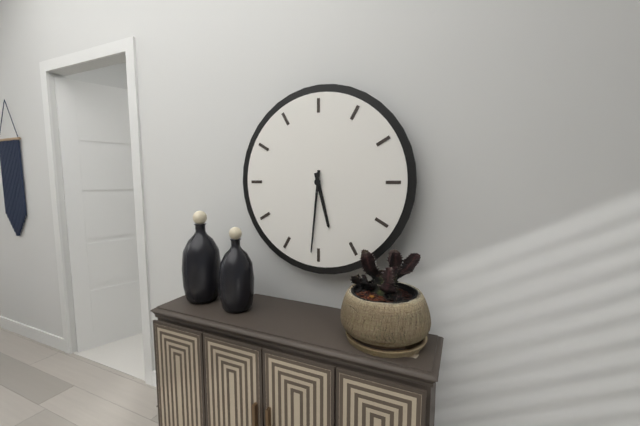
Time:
5h31
